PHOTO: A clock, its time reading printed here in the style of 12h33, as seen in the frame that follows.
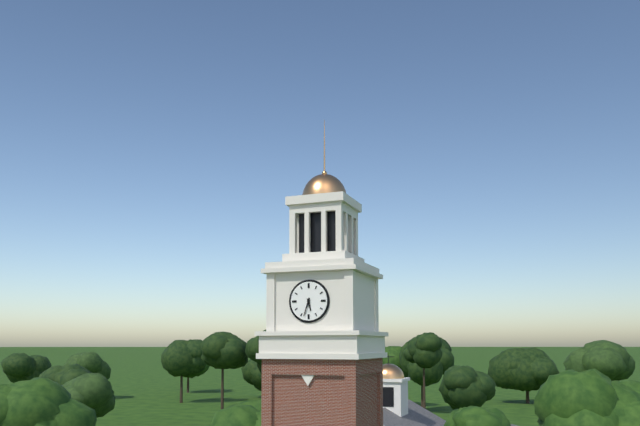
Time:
5h33
